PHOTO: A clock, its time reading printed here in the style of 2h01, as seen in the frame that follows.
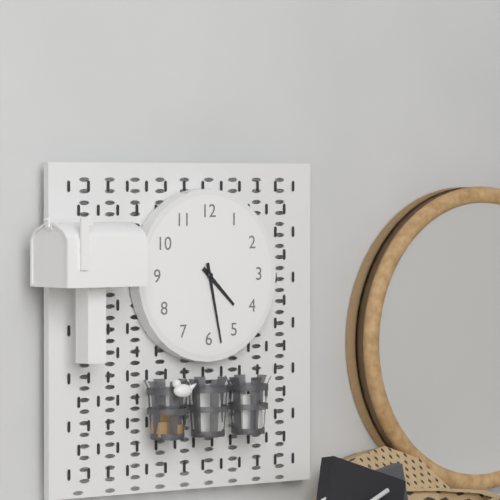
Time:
4h28
